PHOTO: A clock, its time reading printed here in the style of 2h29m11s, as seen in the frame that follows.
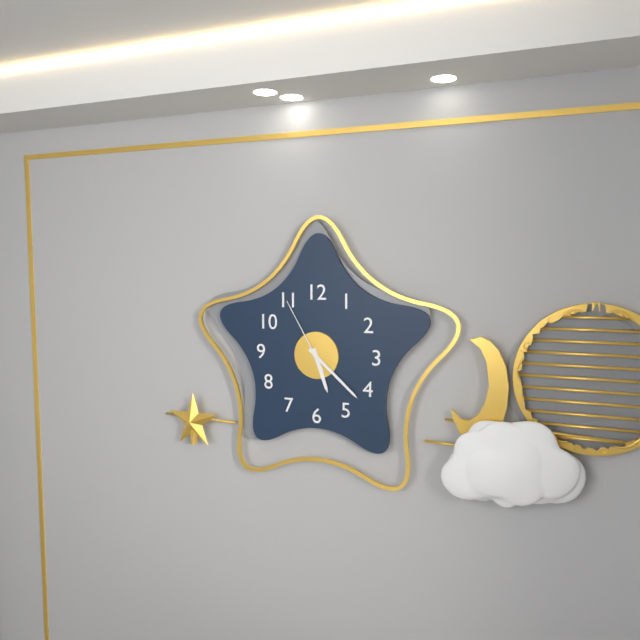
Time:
5h22m55s
